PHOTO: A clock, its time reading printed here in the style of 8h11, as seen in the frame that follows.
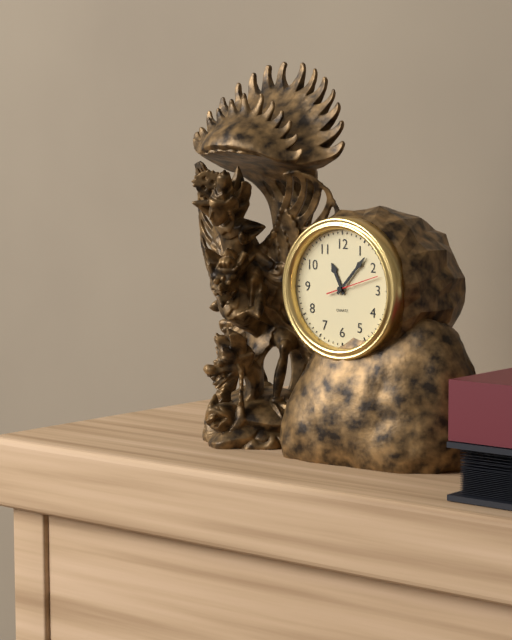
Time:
11h07
